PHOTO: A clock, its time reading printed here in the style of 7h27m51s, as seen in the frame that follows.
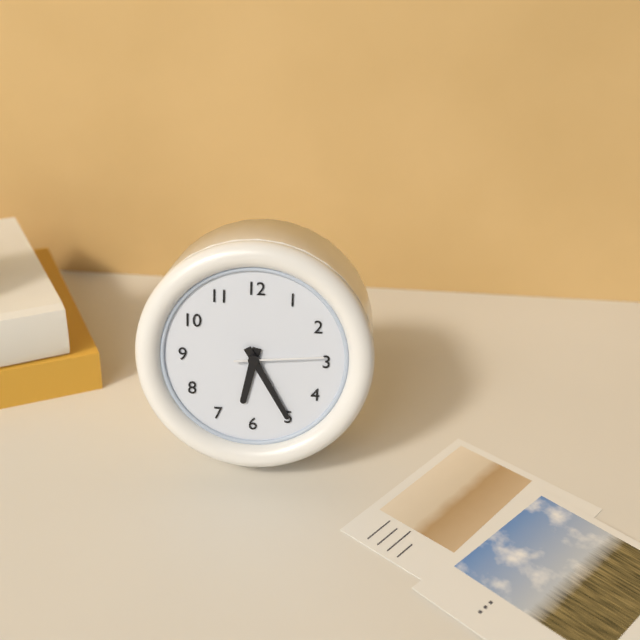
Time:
6h25m14s
